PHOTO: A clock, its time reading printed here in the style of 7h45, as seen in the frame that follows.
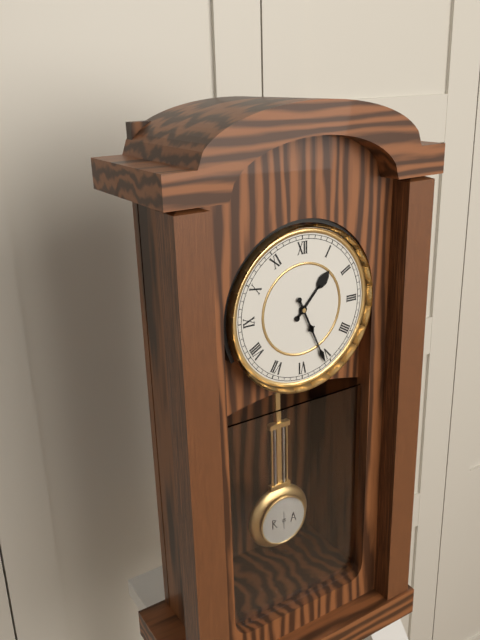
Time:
1h26
